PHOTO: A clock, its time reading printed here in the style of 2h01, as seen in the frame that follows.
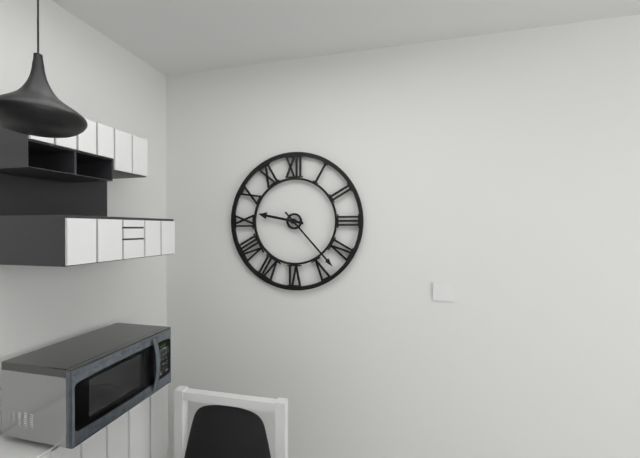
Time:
9h23
